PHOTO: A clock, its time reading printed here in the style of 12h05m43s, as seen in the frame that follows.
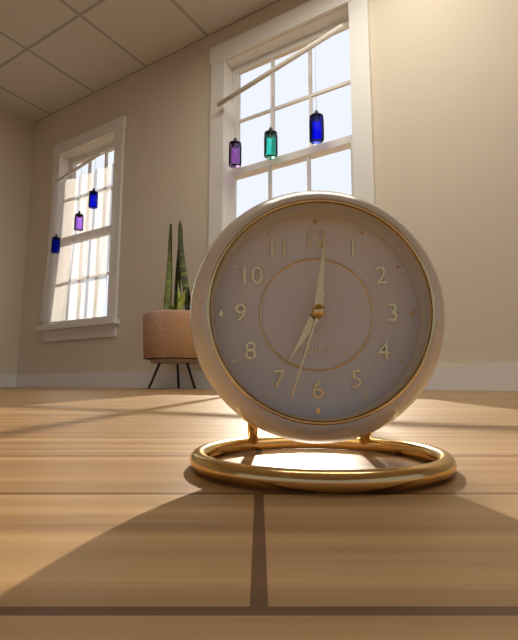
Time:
7h01m33s
